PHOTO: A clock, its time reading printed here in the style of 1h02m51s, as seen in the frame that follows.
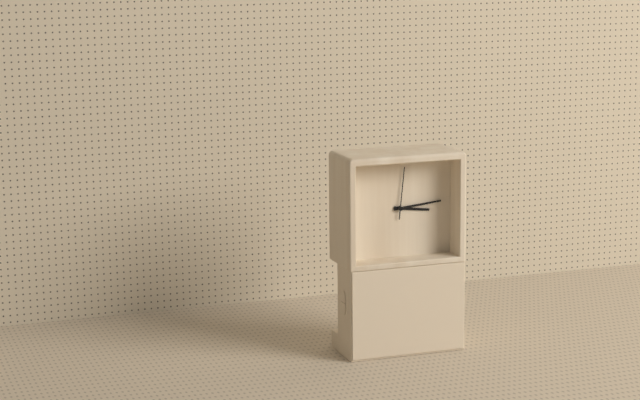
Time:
3h14m01s
